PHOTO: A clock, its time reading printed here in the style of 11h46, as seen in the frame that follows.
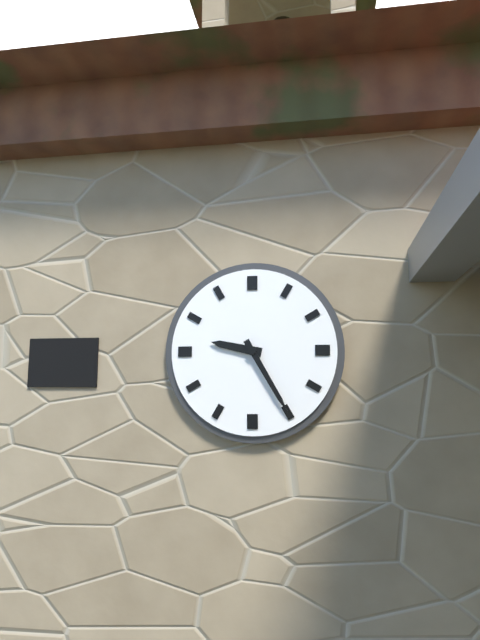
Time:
9h25
